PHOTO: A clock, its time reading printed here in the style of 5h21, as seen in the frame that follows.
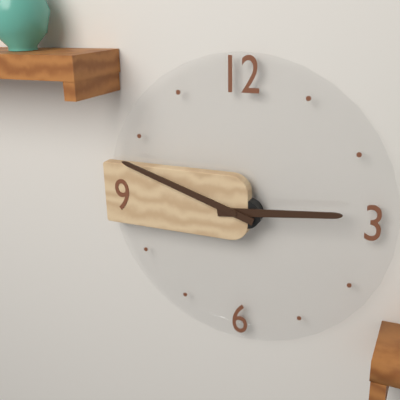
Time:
2h48
